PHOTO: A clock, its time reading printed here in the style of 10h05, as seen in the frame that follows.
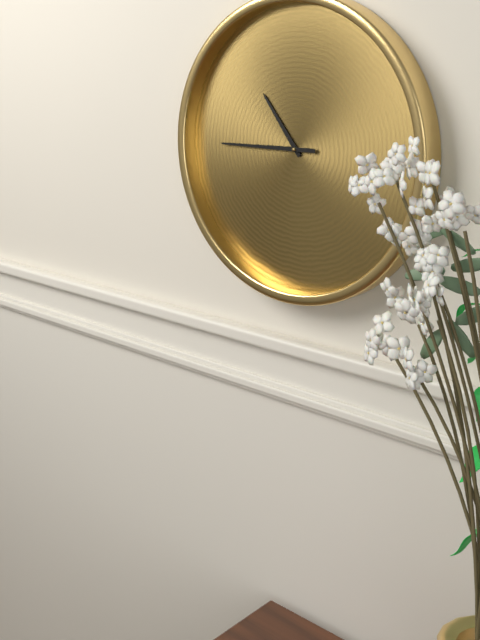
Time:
10h45
